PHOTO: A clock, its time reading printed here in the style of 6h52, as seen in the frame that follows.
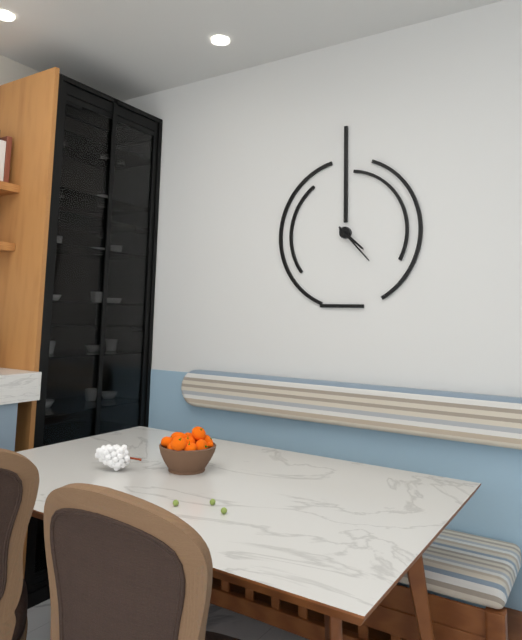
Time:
4h23
